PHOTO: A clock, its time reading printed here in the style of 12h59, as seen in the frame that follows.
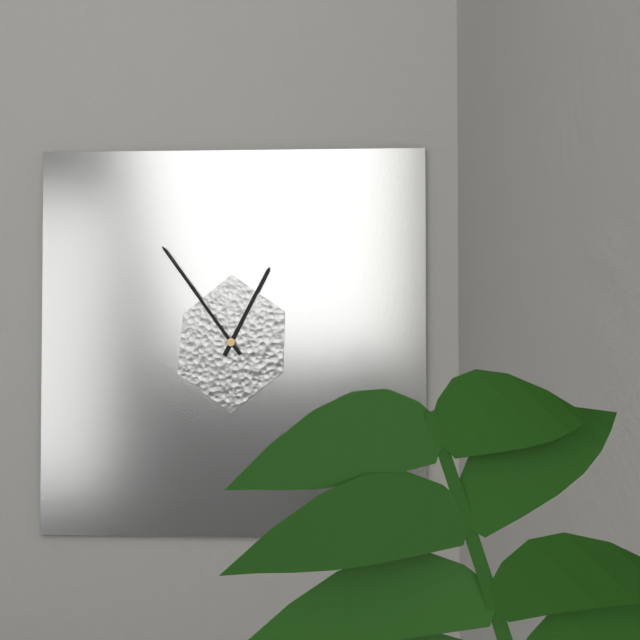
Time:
12h54
